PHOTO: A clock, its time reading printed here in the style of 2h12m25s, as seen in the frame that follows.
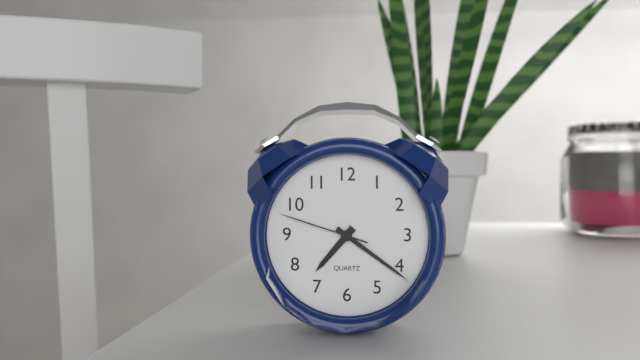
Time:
7h21m48s
